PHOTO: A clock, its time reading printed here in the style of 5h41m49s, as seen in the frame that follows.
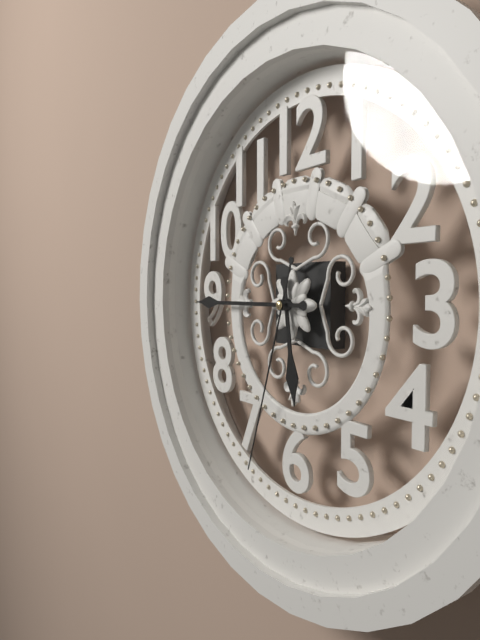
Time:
5h45m33s
